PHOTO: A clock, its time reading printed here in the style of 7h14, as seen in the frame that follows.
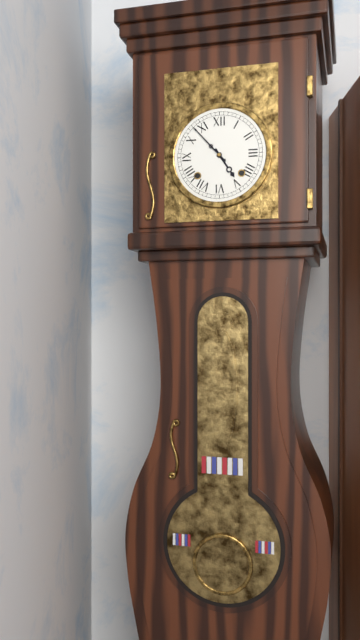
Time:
4h53
